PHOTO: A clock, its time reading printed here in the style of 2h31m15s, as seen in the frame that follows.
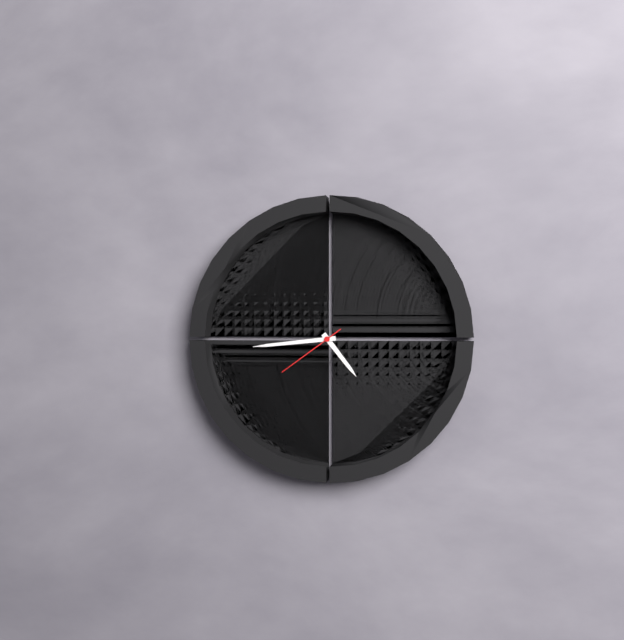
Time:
4h44m39s
